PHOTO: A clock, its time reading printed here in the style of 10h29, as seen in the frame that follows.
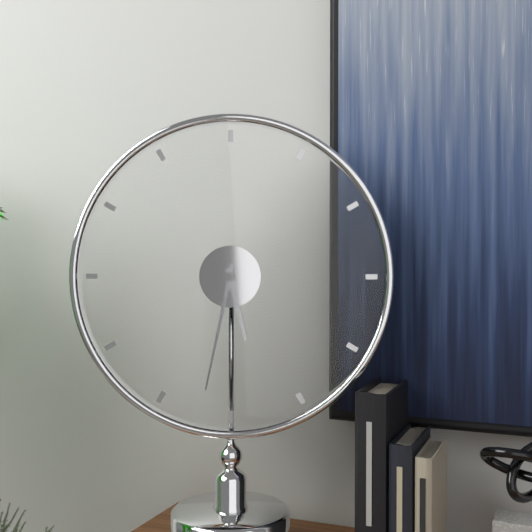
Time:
5h32
